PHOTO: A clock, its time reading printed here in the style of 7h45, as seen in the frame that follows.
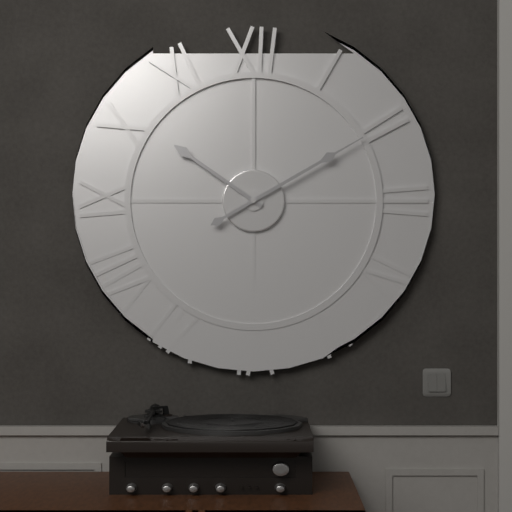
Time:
10h10
